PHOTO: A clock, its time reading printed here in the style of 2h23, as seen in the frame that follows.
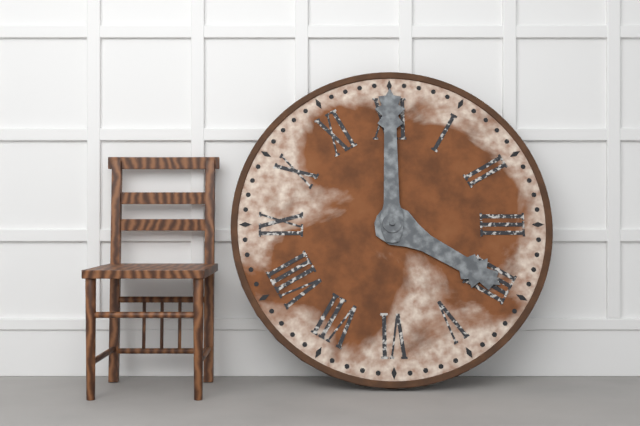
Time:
4h00
